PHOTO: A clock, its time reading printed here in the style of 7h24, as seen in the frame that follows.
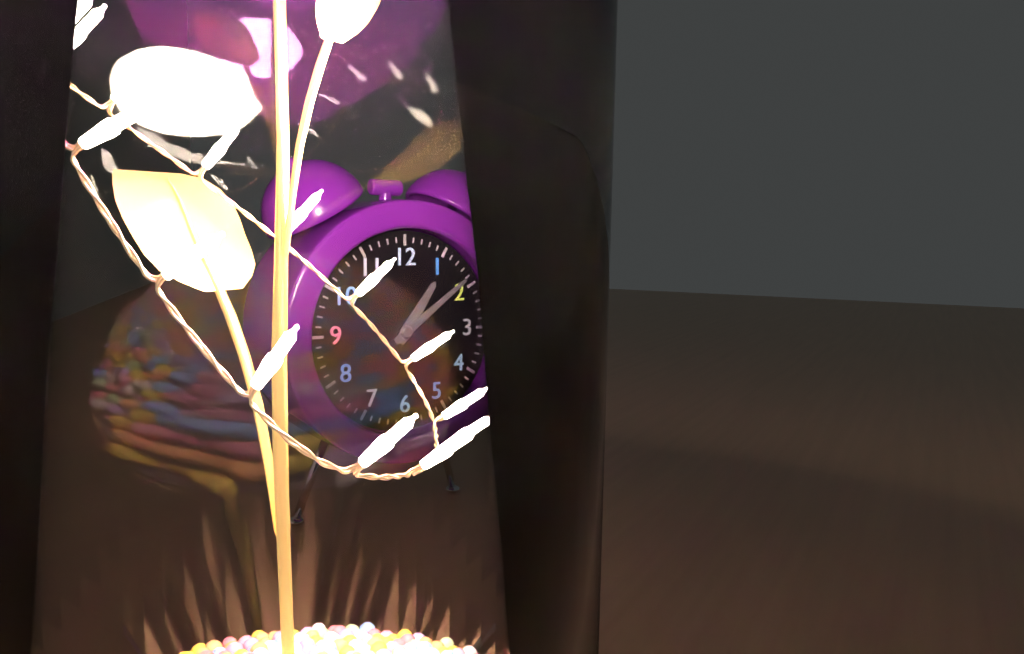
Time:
1h09
